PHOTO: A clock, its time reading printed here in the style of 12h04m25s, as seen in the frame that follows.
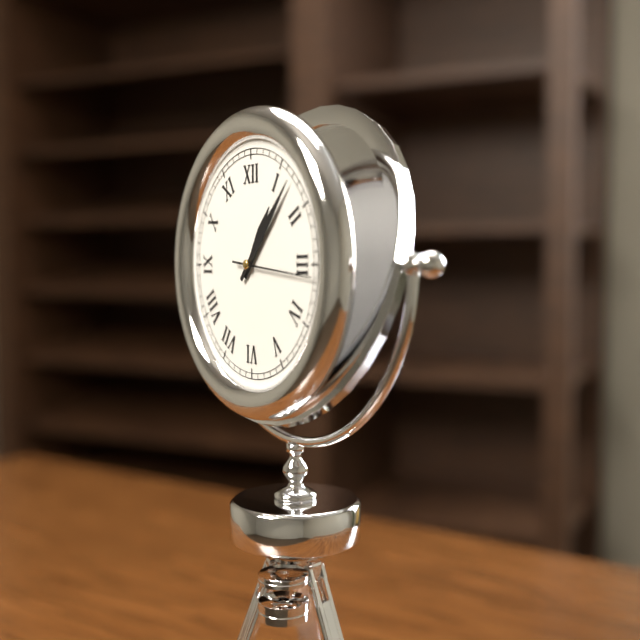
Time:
1h07m16s
